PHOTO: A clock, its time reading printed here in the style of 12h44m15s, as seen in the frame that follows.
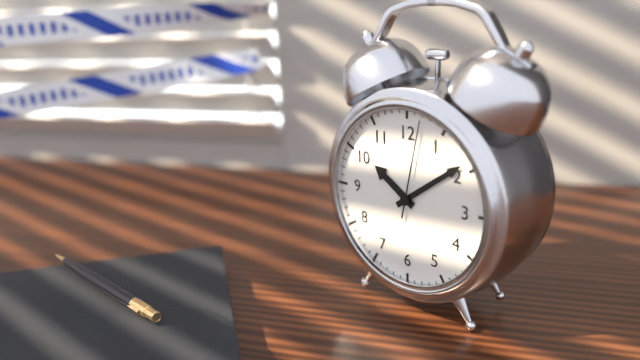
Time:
10h09m02s
